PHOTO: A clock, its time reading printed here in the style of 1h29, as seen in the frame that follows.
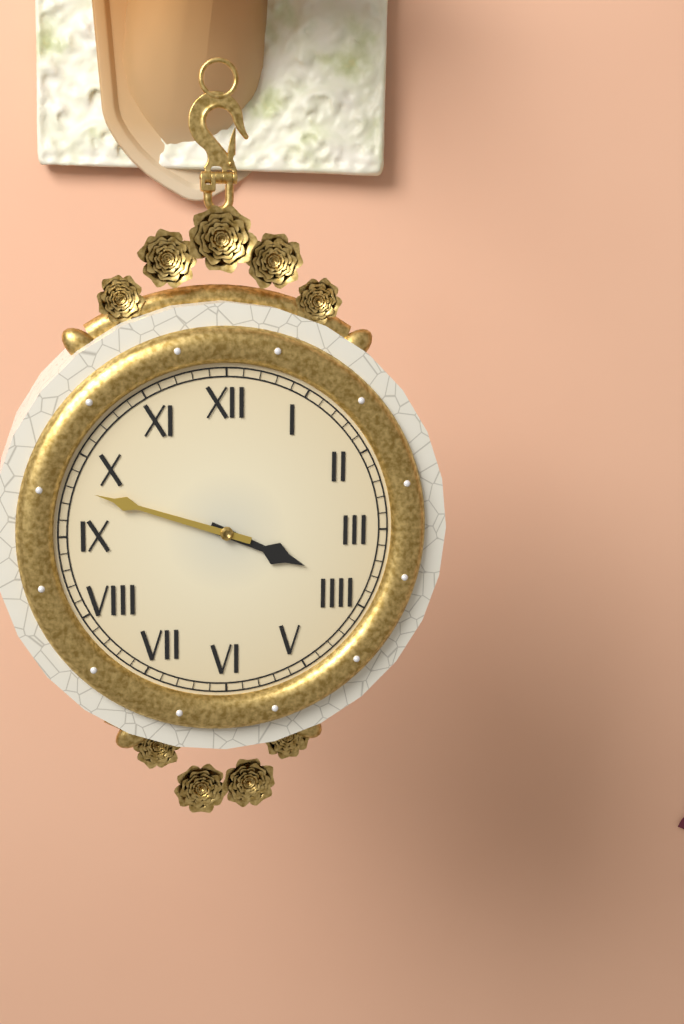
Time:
3h48
